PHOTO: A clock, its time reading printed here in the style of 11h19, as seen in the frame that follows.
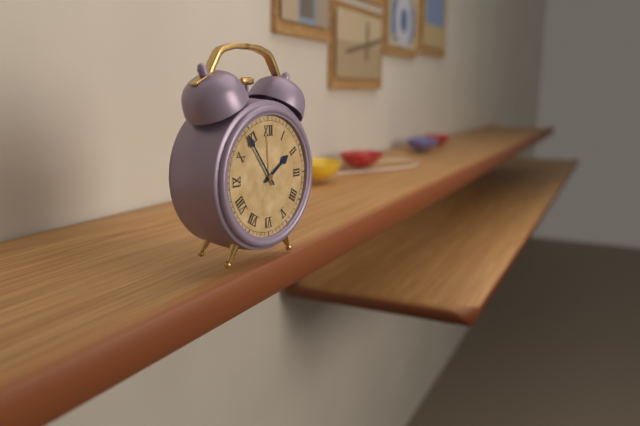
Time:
1h54
